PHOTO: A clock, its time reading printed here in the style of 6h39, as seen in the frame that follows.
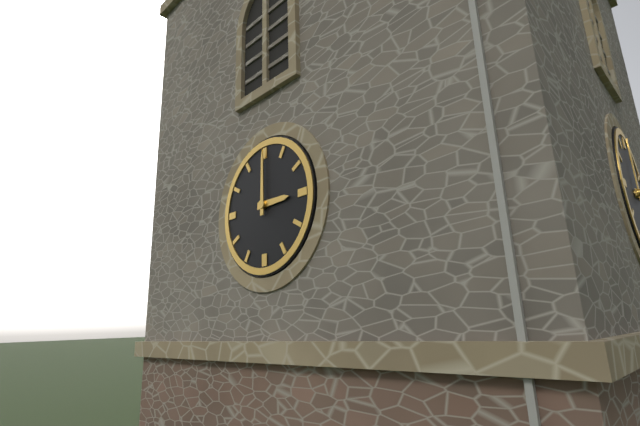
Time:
3h00
